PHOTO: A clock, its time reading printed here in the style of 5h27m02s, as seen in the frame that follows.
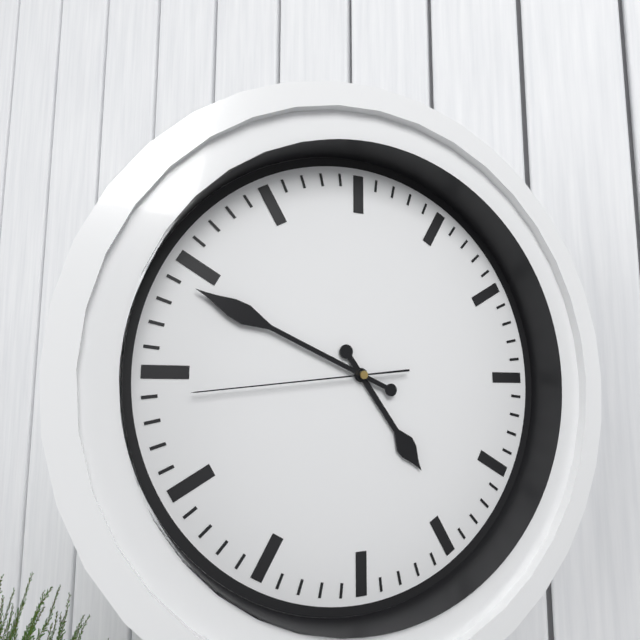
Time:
4h49m44s
